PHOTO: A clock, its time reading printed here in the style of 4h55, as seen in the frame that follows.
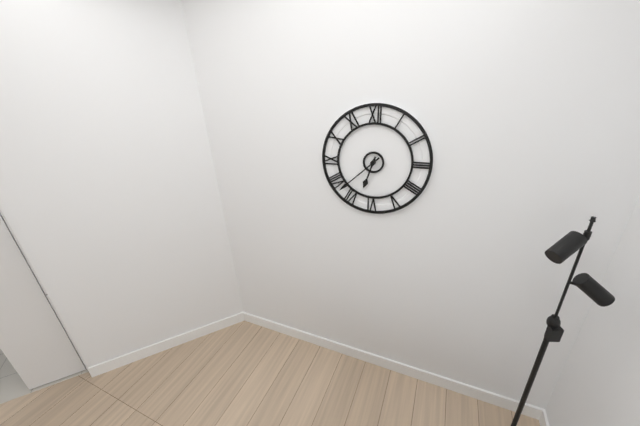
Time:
6h38
